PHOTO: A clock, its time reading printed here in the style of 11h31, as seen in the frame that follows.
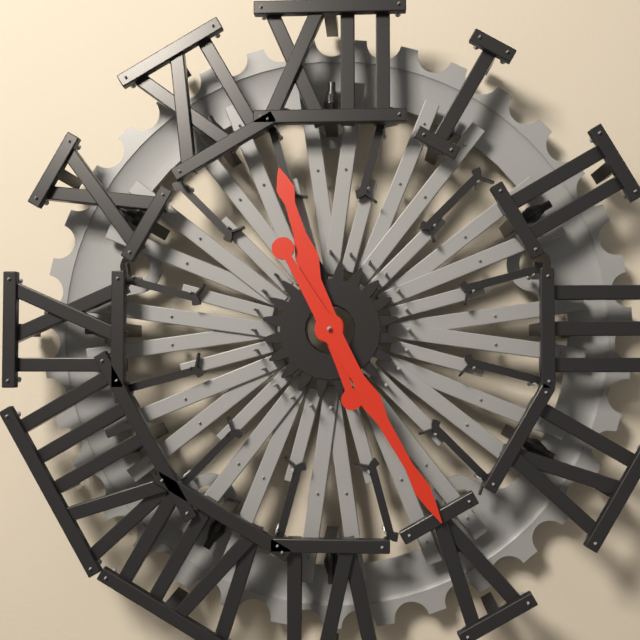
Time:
11h25
